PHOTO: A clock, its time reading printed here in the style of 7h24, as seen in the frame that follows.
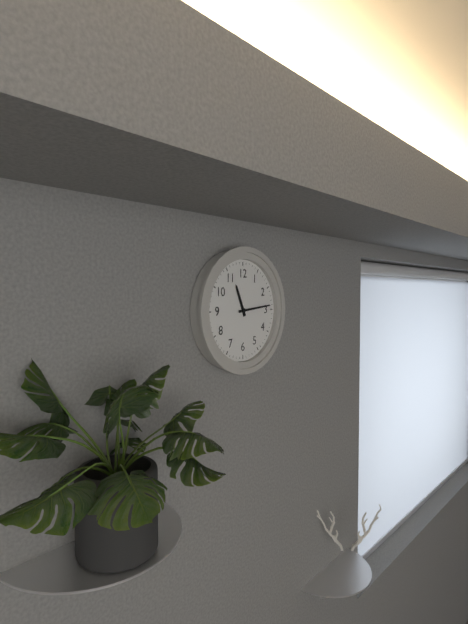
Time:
11h14
